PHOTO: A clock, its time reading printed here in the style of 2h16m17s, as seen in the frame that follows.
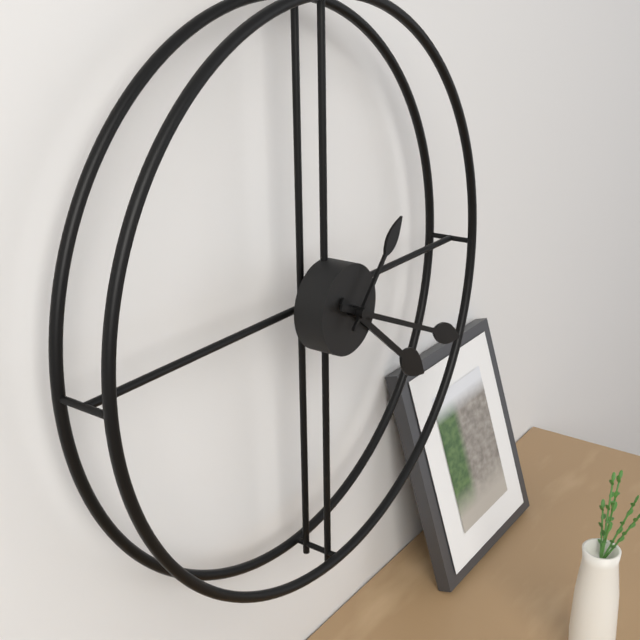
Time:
4h19m07s
